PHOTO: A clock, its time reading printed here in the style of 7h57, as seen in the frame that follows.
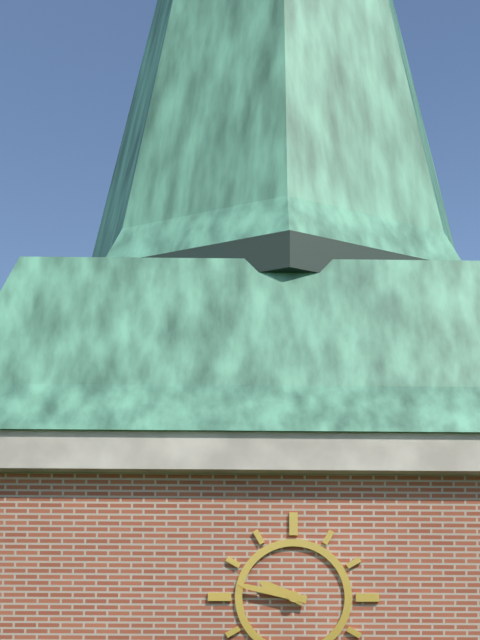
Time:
9h47
